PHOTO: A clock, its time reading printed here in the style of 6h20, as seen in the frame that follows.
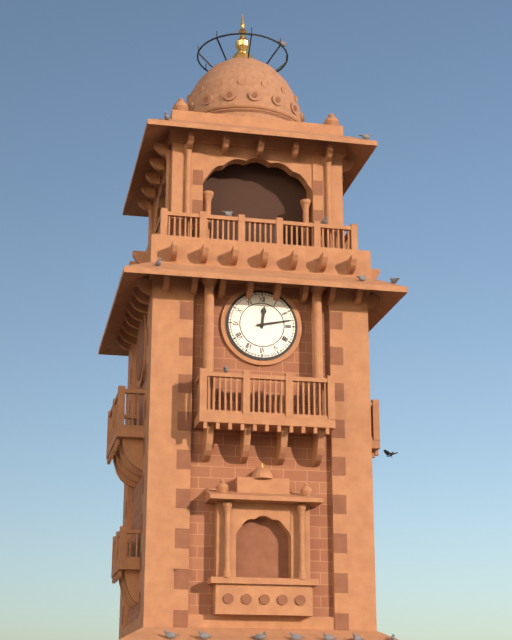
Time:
12h13
